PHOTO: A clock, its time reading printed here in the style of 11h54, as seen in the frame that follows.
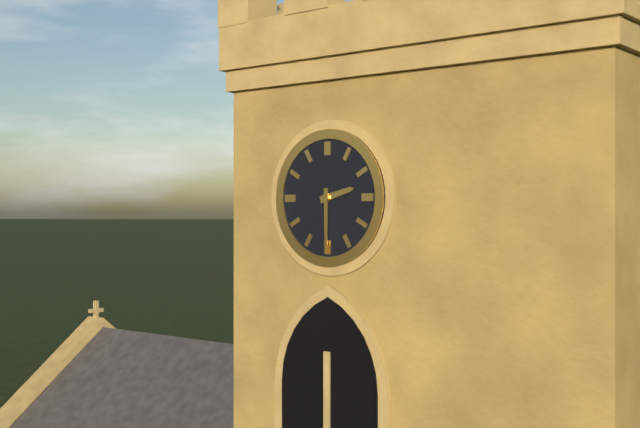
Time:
2h30
